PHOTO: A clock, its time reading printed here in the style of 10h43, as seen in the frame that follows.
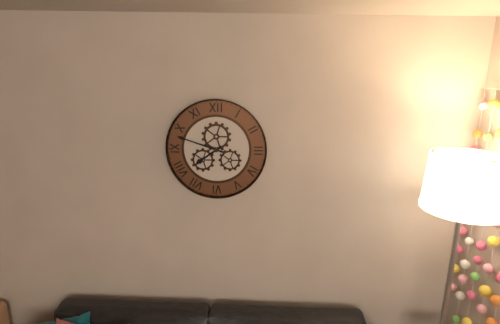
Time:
7h48
